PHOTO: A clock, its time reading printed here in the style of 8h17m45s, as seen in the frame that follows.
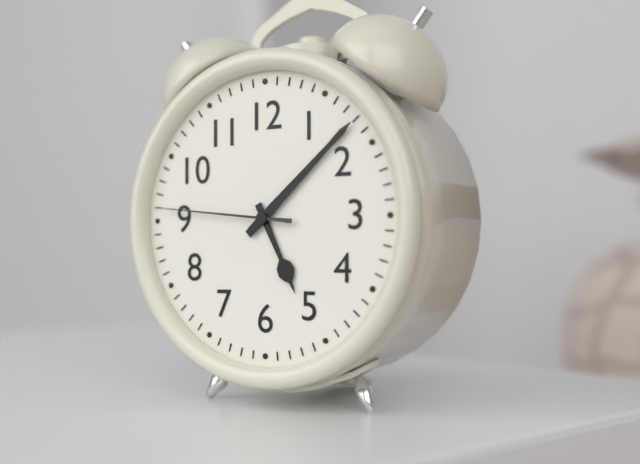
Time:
5h08m46s
